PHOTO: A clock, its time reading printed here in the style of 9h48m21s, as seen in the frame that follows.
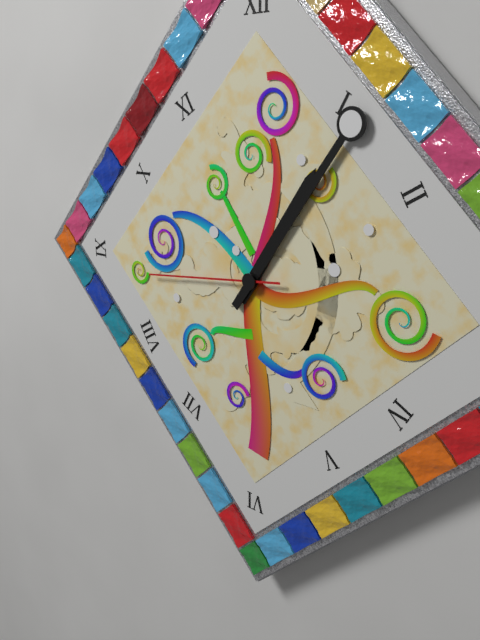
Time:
1h06m44s
